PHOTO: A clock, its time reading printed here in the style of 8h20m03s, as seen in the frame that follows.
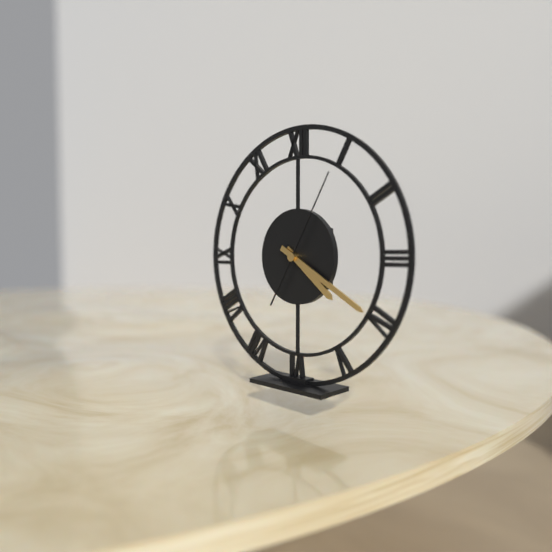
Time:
4h20m05s
